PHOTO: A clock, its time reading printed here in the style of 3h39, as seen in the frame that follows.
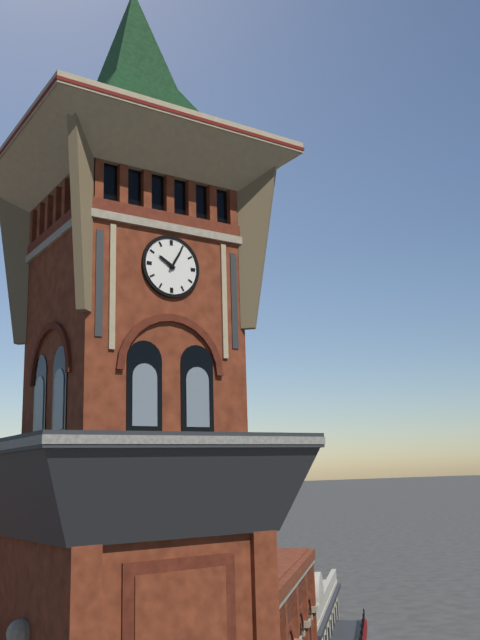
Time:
10h05
